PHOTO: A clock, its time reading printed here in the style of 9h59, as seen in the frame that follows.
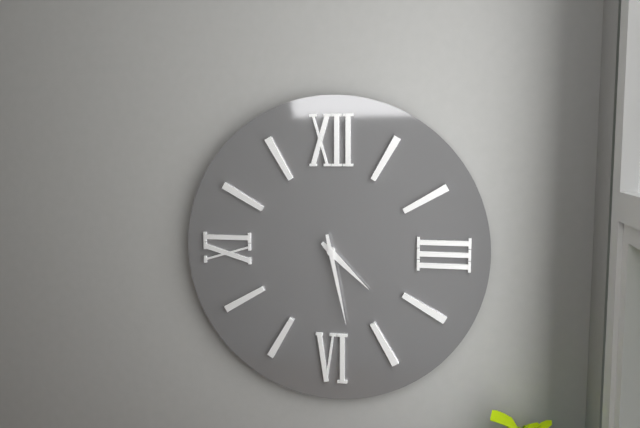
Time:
4h28
